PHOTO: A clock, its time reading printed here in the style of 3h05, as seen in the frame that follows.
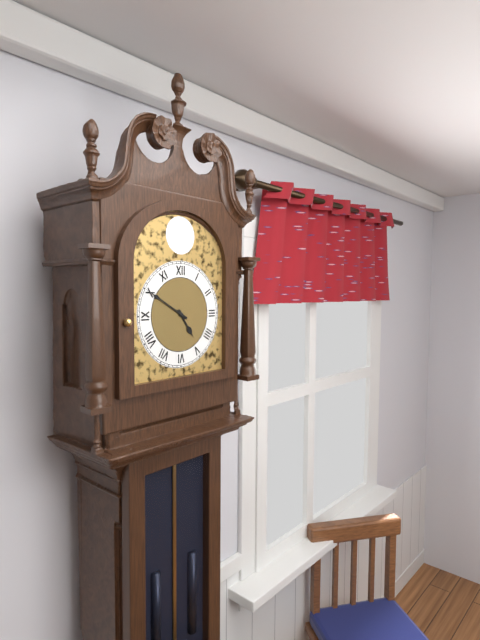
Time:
4h50
